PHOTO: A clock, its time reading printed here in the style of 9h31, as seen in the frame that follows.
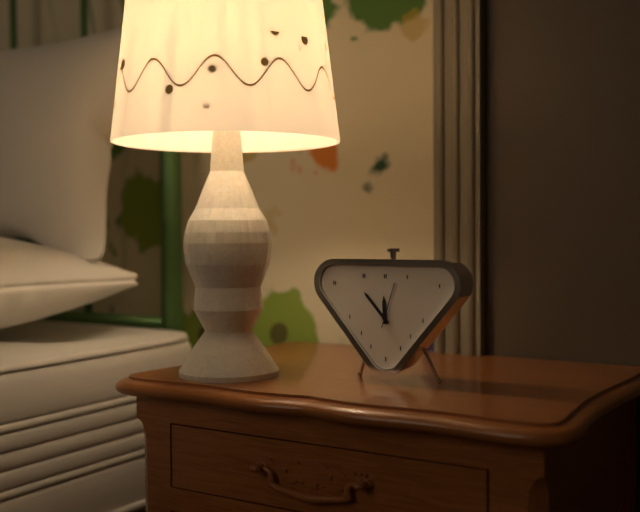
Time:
11h53
